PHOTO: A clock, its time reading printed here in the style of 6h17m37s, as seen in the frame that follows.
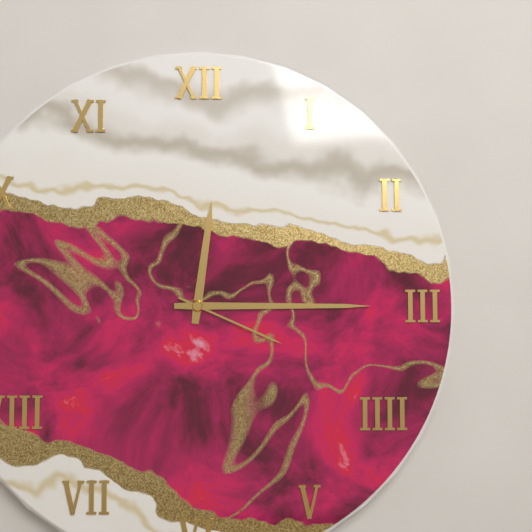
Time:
12h15m19s
